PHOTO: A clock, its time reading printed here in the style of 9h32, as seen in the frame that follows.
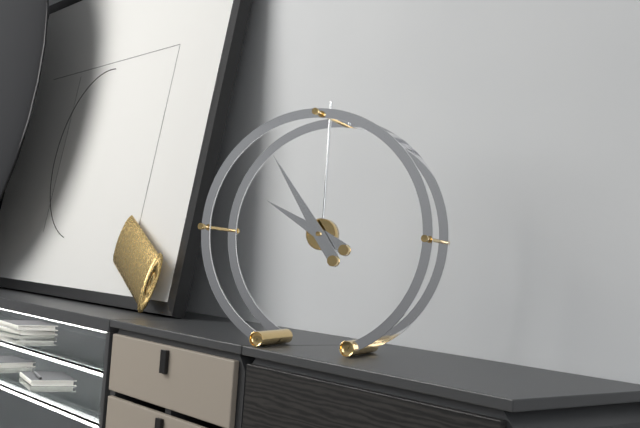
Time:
9h54
